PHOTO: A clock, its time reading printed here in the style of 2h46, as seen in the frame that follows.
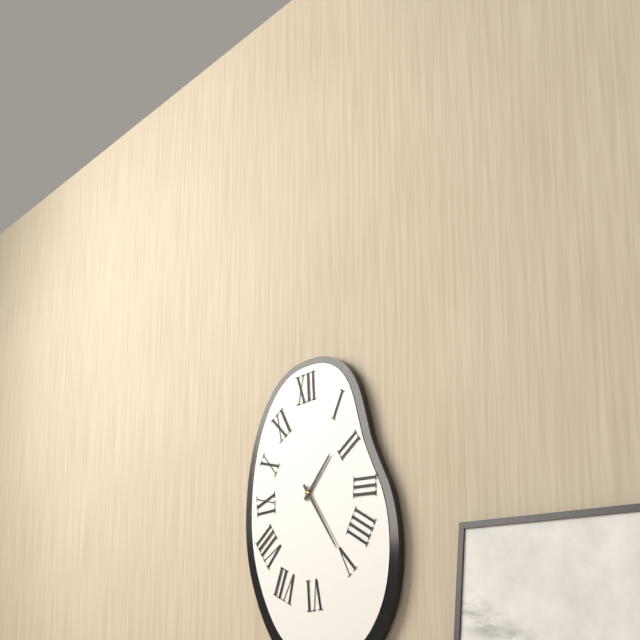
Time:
1h24
